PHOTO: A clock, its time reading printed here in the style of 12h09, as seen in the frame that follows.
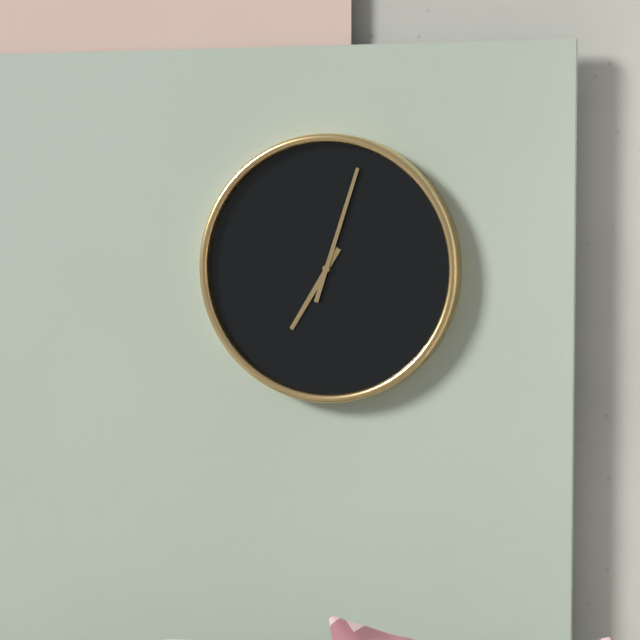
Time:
7h03
